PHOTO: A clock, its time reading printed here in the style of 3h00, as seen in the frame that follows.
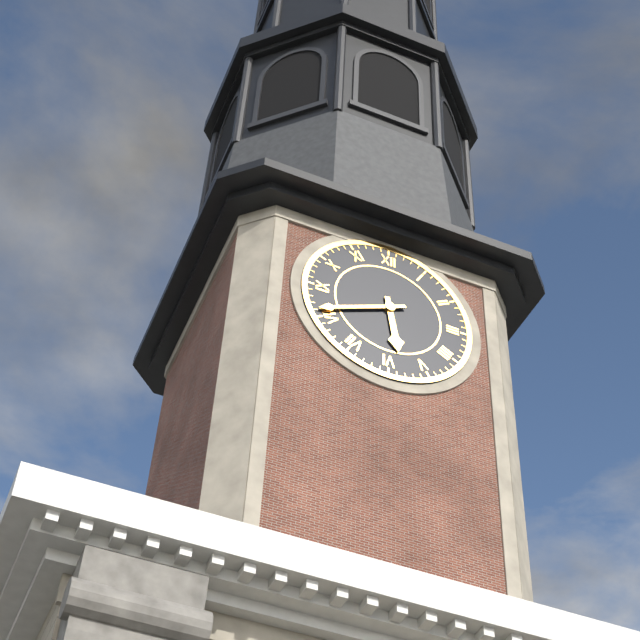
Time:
5h41
